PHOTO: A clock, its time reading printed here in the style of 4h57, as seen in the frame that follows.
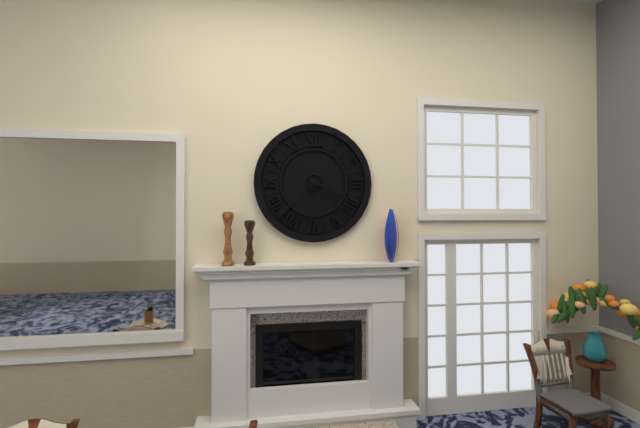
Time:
3h38
